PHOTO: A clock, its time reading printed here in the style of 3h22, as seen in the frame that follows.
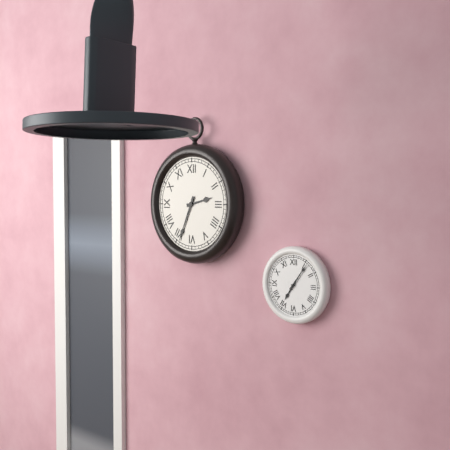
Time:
2h34
